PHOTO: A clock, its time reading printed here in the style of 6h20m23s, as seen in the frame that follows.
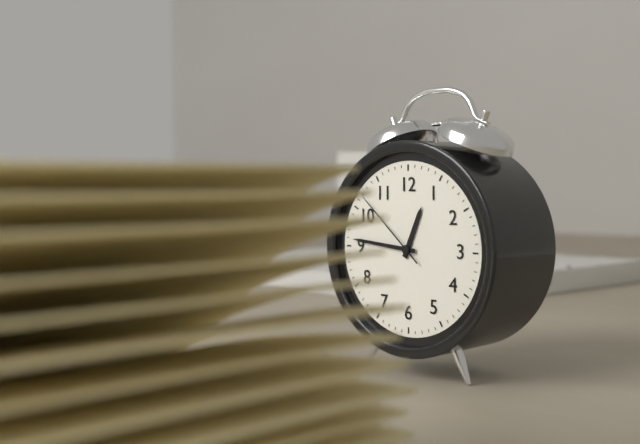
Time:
12h46m52s
